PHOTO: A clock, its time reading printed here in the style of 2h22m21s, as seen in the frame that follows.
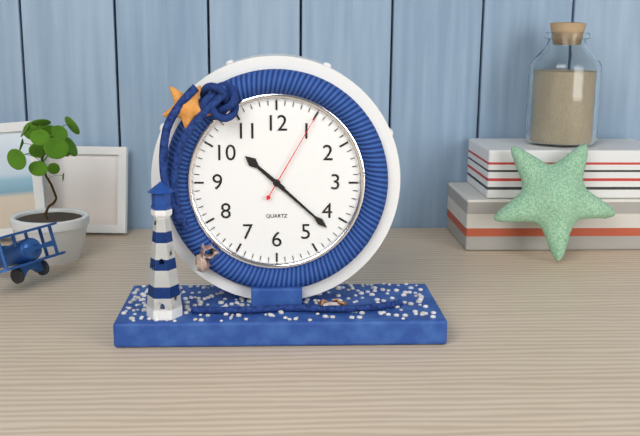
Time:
10h22m05s
